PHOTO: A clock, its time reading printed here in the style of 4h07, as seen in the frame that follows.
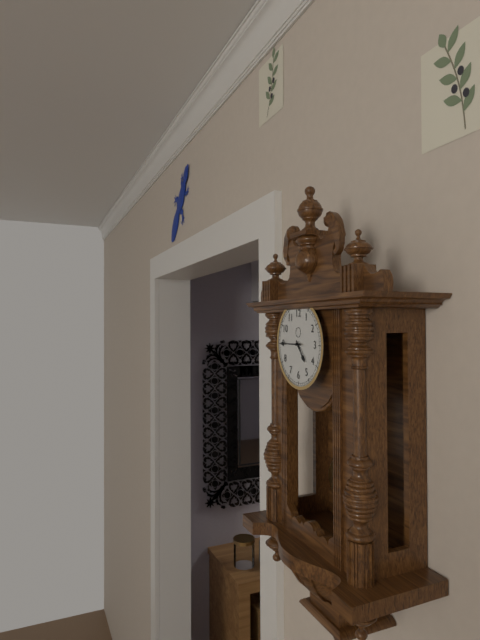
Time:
4h45
